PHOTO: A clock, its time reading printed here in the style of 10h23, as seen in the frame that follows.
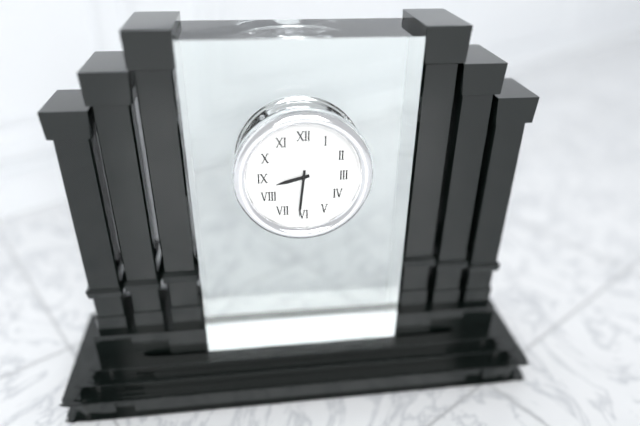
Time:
8h31
